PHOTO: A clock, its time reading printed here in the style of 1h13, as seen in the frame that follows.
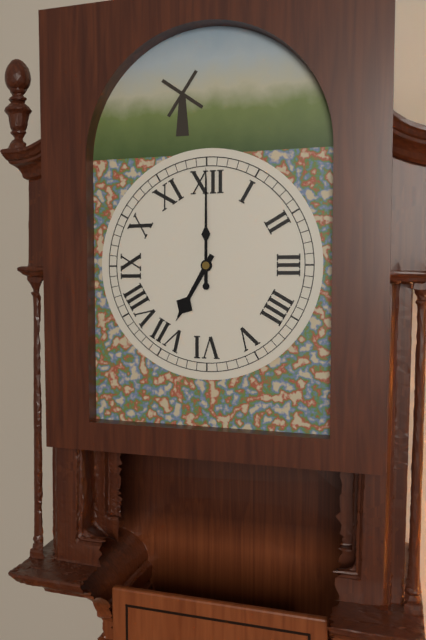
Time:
7h00
